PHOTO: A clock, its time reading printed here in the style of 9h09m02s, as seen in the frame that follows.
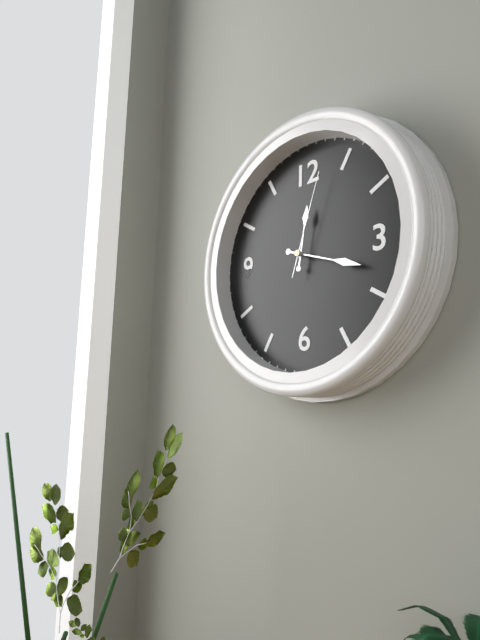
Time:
12h18m03s
